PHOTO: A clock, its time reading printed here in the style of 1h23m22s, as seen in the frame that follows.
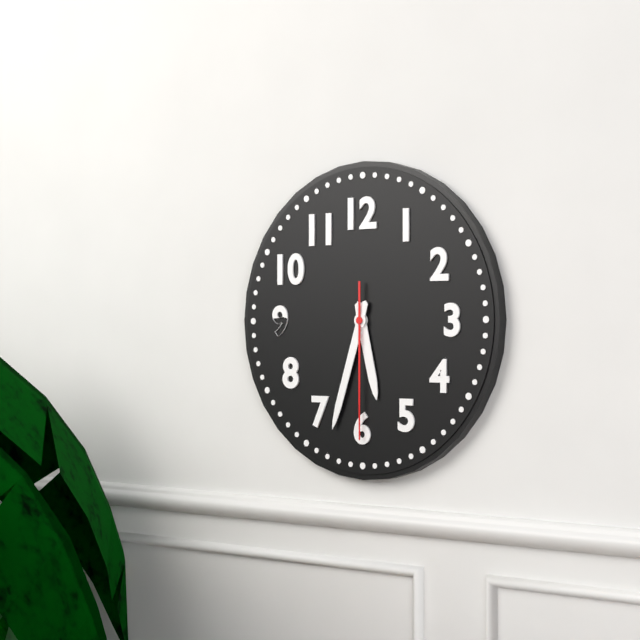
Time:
5h33m30s
